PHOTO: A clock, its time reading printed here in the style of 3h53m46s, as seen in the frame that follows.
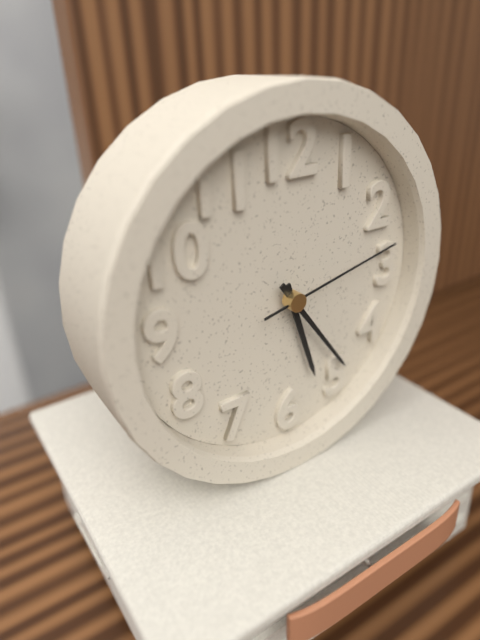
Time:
5h24m13s
